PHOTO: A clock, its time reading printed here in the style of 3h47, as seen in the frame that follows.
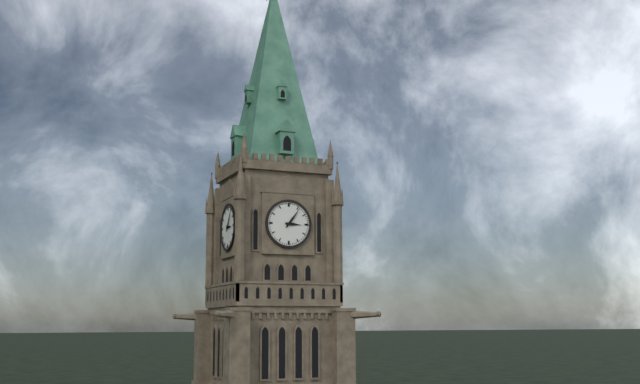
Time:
3h06
